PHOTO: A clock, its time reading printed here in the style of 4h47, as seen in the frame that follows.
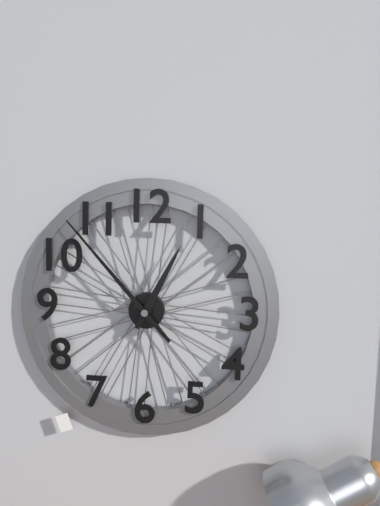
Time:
12h53
